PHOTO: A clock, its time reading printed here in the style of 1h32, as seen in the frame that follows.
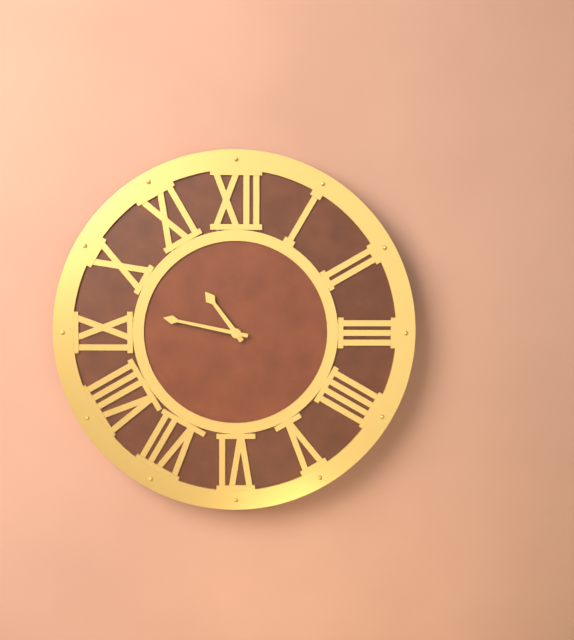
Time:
10h47
